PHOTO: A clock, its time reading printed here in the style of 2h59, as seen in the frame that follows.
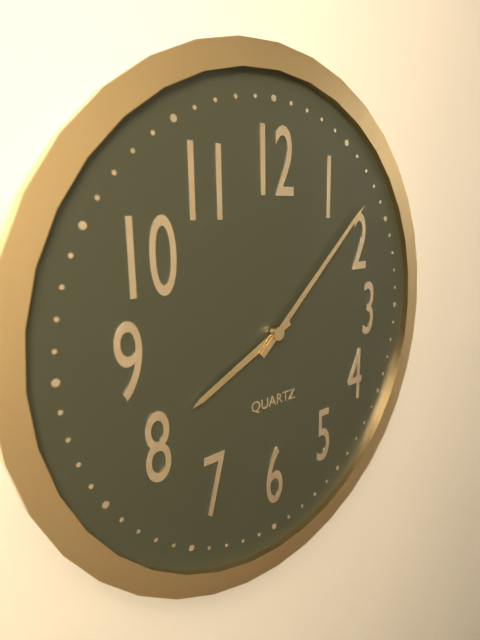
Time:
8h08
